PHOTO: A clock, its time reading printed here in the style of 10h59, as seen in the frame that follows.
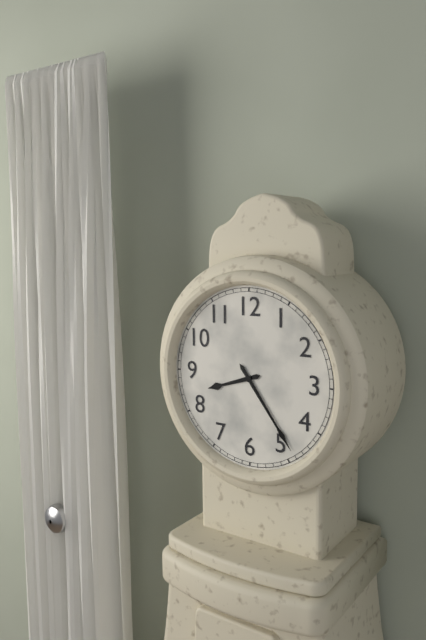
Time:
8h24
